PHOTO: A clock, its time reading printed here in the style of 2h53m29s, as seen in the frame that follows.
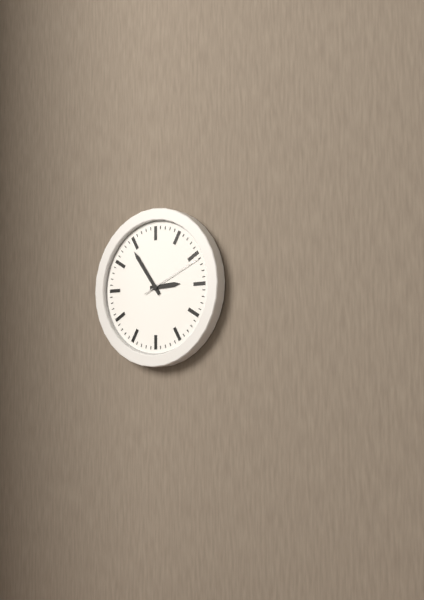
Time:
2h54m11s
